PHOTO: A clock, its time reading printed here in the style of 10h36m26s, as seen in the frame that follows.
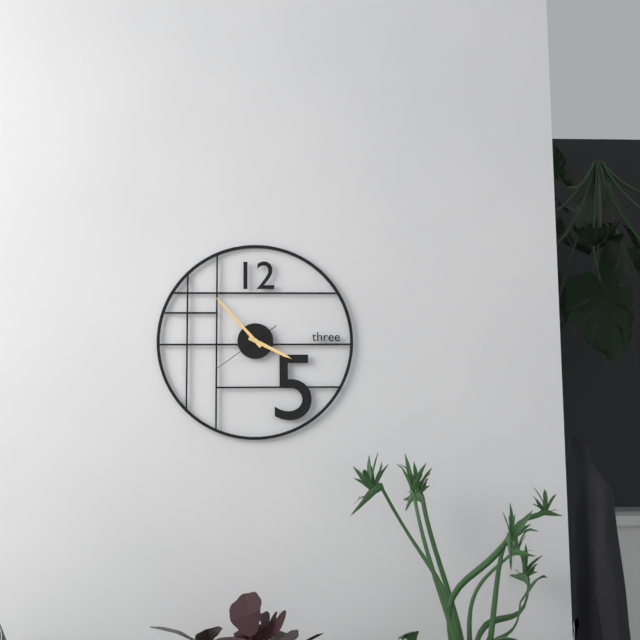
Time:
3h53m39s
